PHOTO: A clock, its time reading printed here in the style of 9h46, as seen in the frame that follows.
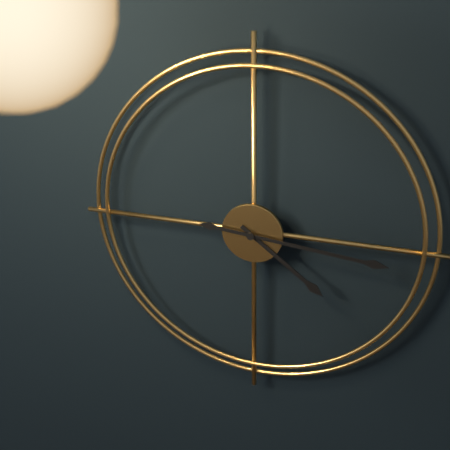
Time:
4h16
